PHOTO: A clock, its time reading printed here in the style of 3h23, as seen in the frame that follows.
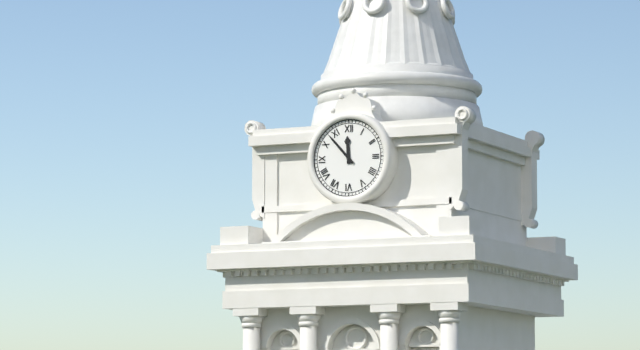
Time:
11h53
